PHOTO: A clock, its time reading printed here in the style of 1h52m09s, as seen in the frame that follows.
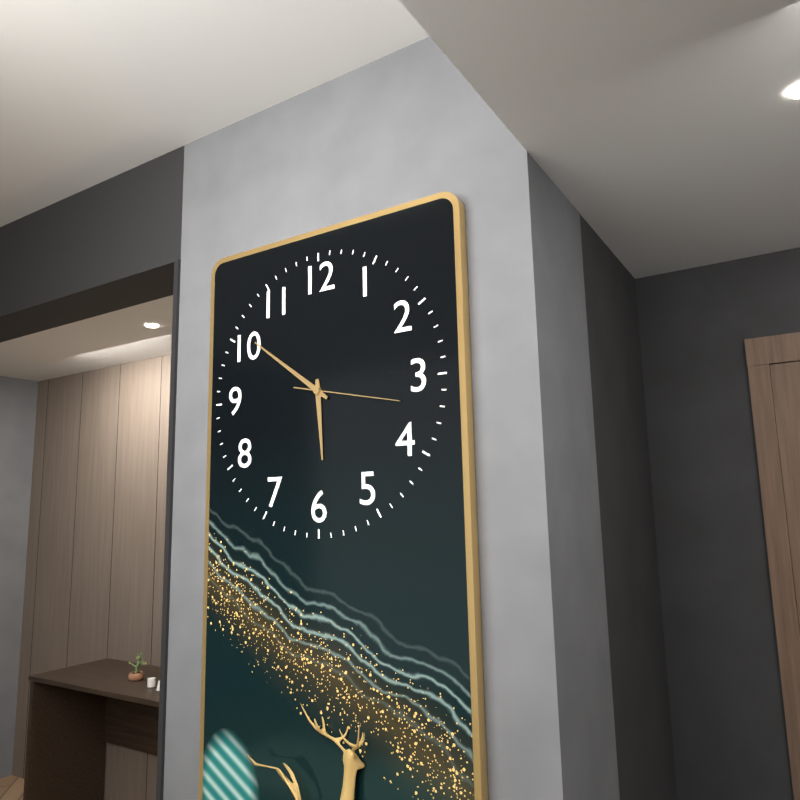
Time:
5h51m17s
